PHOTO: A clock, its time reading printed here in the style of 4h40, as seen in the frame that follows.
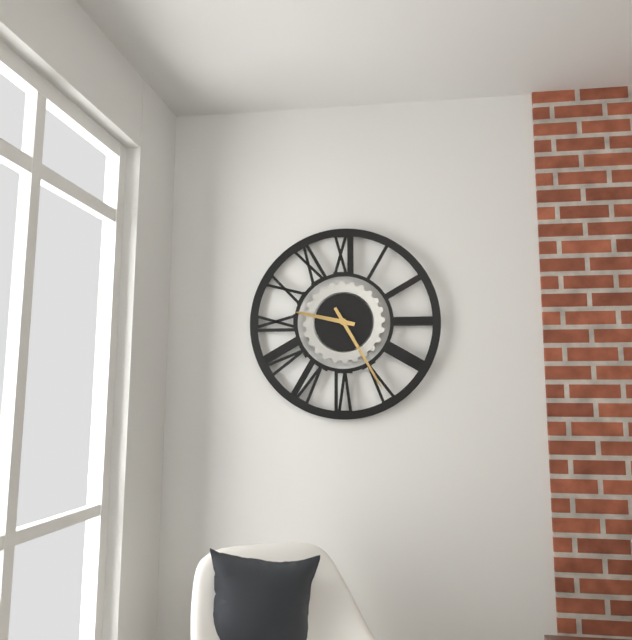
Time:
9h25
